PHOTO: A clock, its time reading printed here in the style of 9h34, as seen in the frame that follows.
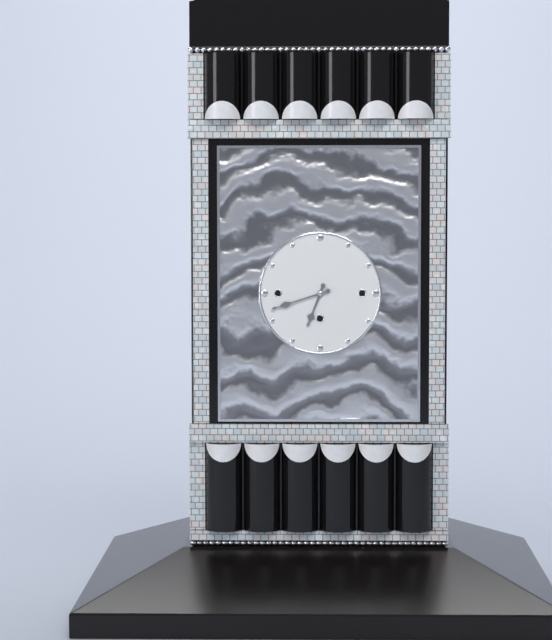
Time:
6h42
